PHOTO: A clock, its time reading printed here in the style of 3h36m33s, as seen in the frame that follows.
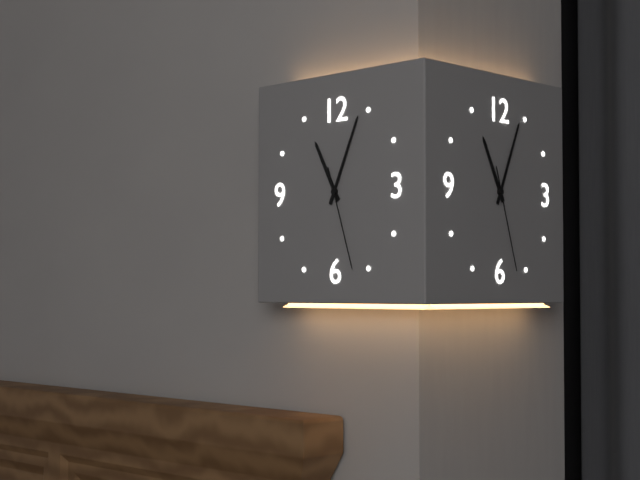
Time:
11h04m27s
